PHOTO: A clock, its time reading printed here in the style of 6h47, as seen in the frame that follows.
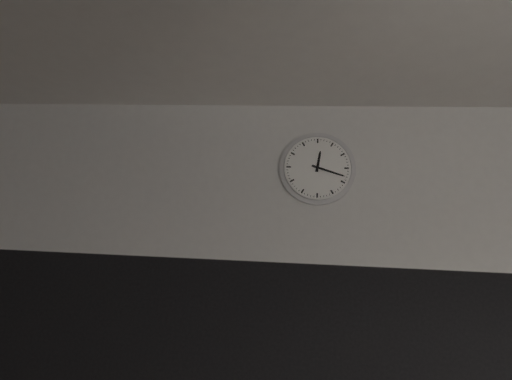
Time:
12h18
